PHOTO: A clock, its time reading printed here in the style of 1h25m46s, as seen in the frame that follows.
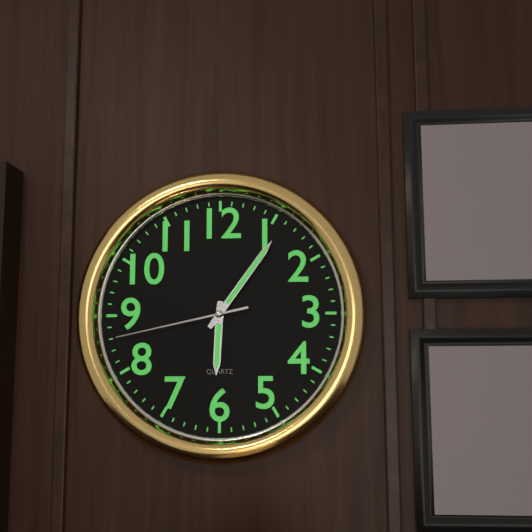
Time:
6h06m43s
